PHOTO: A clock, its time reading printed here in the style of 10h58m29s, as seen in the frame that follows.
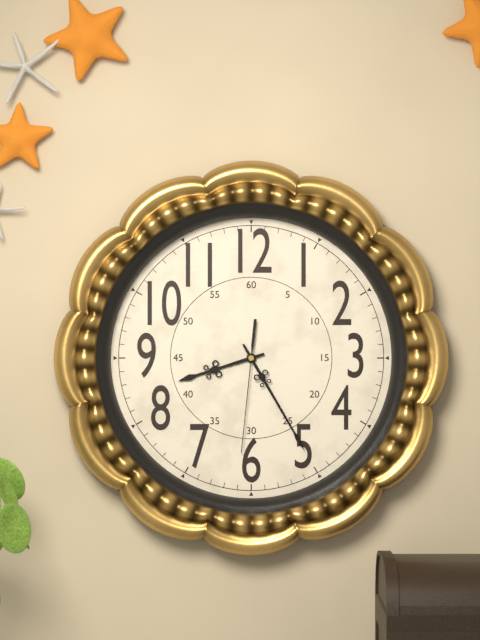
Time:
8h25m31s
